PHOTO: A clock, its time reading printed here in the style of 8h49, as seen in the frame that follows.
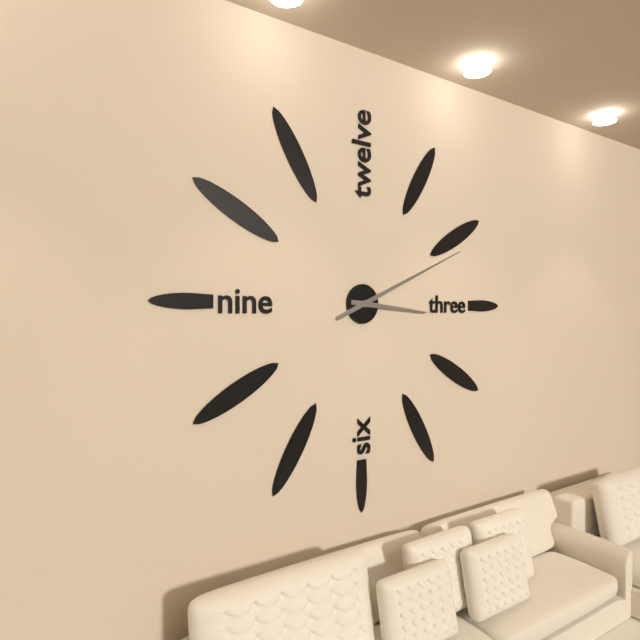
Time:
3h11
